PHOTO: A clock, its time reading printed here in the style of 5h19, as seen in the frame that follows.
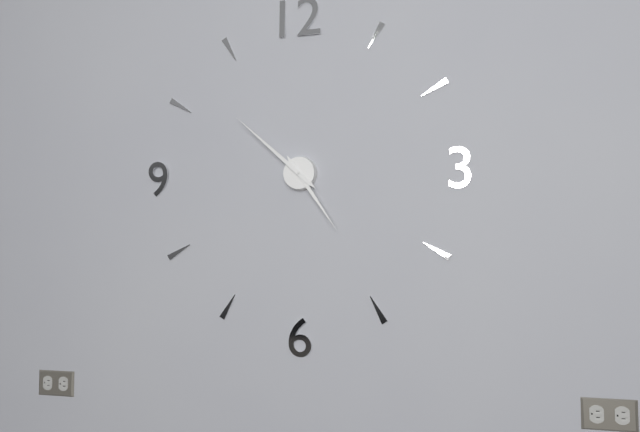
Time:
4h52
